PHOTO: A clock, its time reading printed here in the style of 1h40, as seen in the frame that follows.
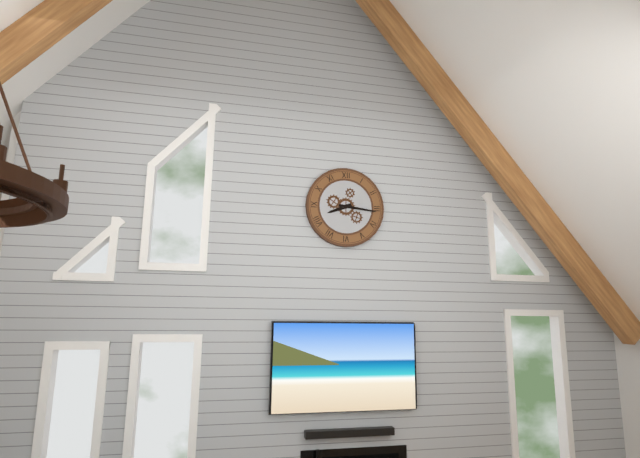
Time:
8h16
